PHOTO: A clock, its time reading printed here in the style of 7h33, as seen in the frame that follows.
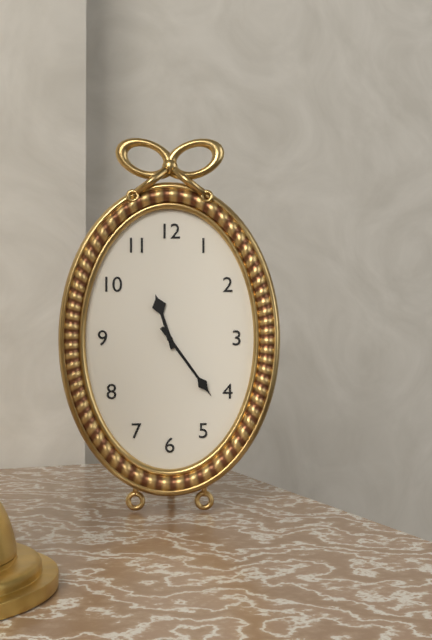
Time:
11h24
